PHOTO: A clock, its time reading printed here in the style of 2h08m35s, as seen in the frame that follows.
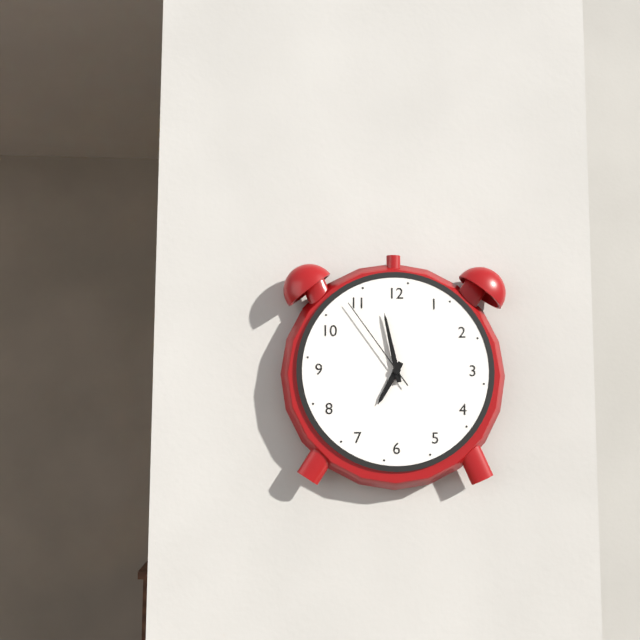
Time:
6h58m54s
